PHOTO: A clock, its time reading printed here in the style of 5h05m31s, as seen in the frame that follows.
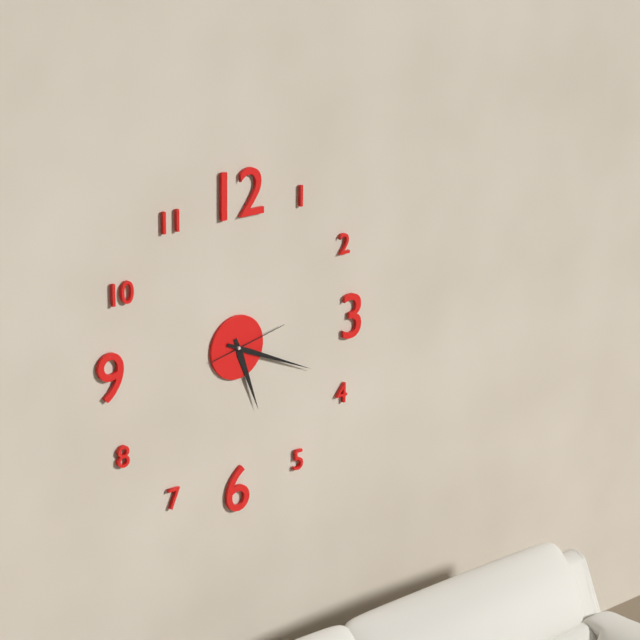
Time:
5h19m13s
